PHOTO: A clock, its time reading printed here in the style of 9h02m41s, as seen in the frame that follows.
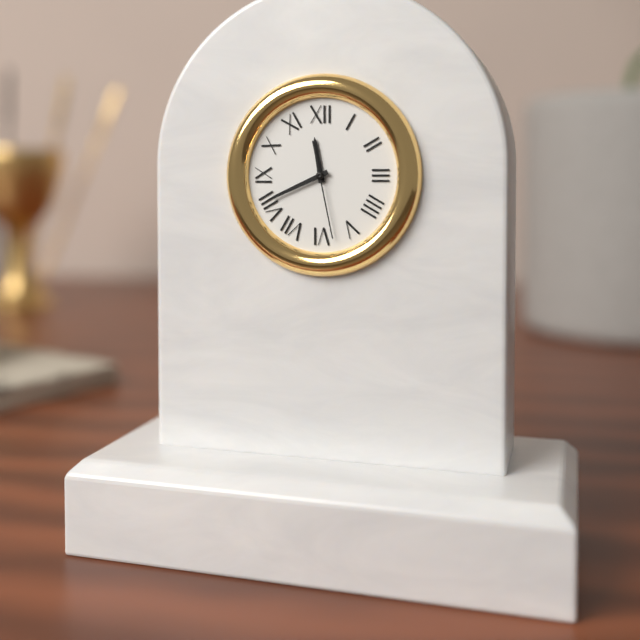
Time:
11h41m28s
